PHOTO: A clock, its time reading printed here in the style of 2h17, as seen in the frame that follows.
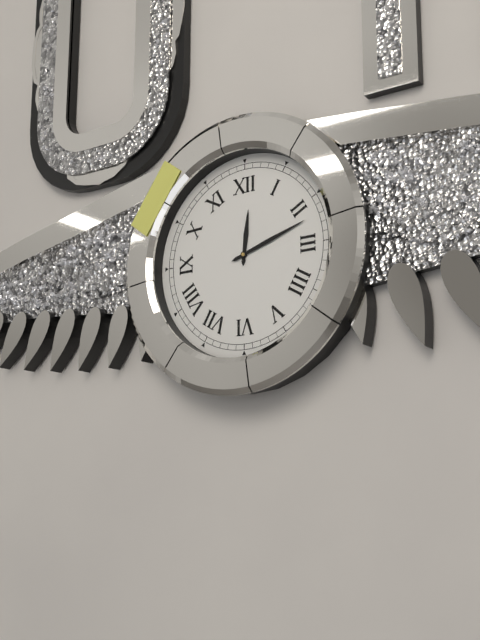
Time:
12h12
